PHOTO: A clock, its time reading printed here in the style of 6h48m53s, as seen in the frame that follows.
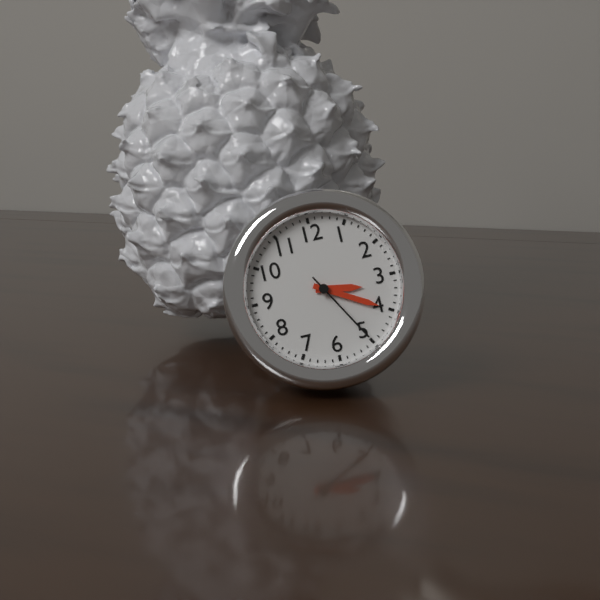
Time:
3h20m25s
